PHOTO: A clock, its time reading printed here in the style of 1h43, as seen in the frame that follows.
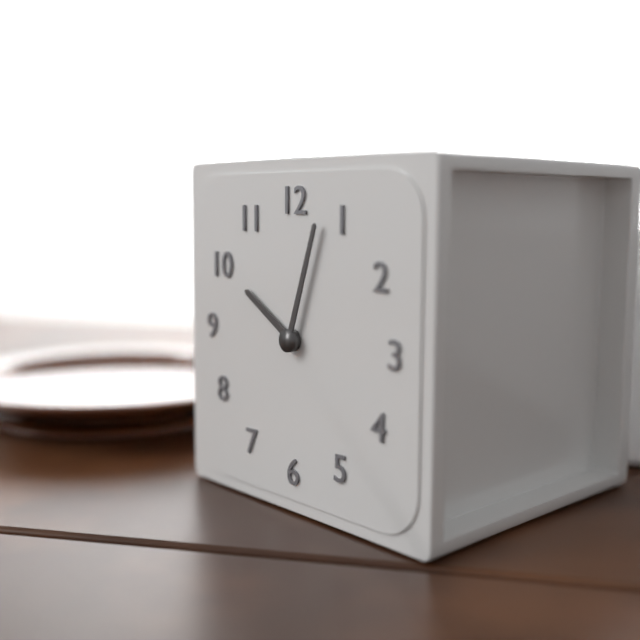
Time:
10h03
